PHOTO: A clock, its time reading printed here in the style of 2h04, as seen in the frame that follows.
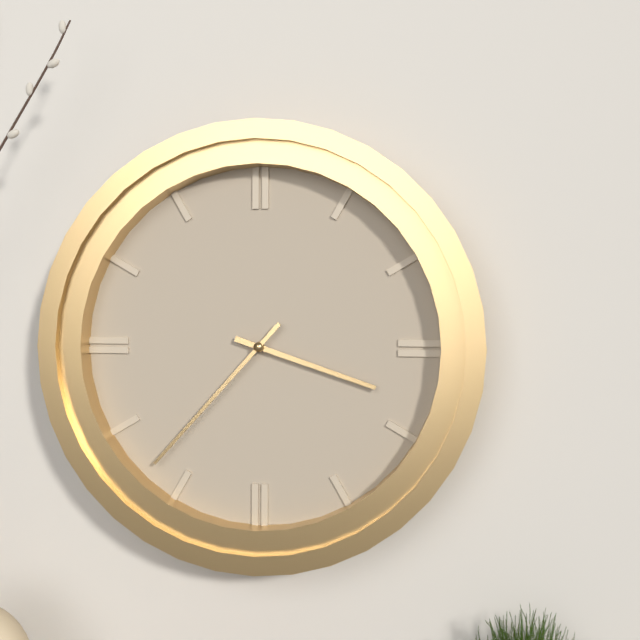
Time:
3h37
